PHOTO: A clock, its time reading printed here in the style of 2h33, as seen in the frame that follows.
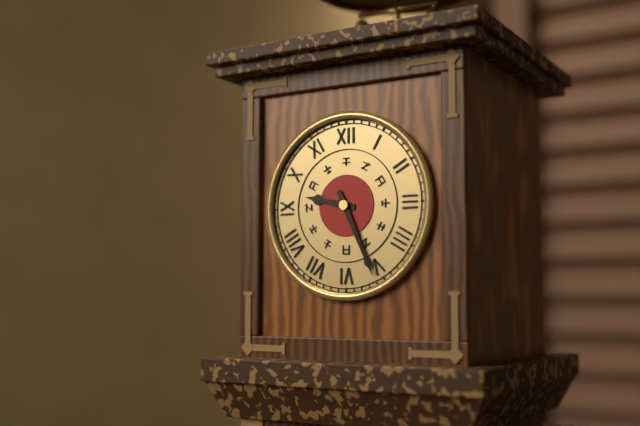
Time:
9h26
